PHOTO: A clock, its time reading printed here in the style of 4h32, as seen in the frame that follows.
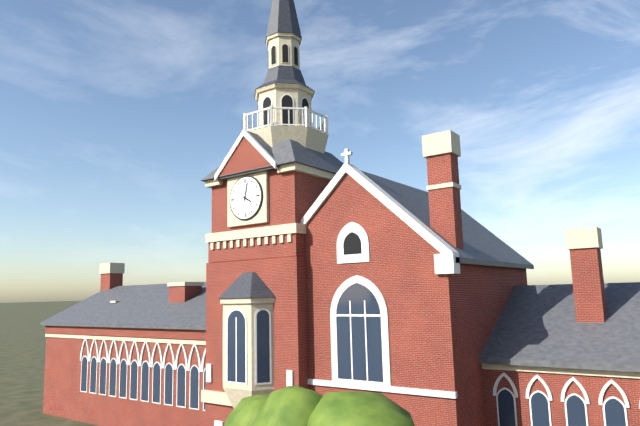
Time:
4h02
